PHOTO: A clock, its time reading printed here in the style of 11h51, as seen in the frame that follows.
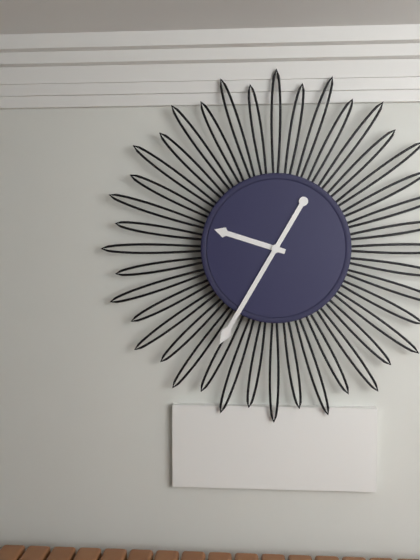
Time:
9h35
